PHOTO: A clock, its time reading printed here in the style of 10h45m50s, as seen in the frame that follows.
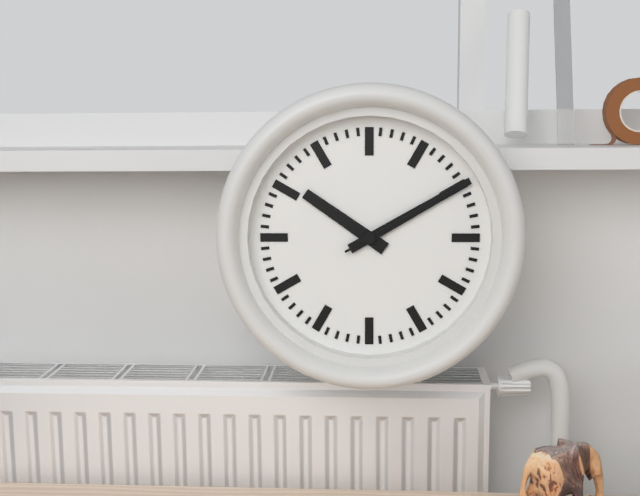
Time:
10h10m10s
